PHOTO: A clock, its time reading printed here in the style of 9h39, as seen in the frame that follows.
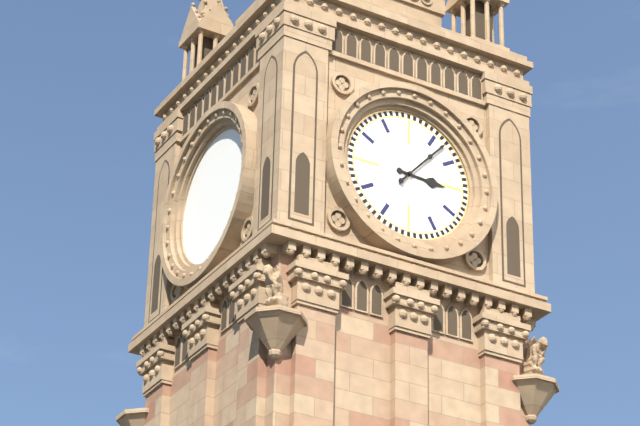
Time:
3h07
